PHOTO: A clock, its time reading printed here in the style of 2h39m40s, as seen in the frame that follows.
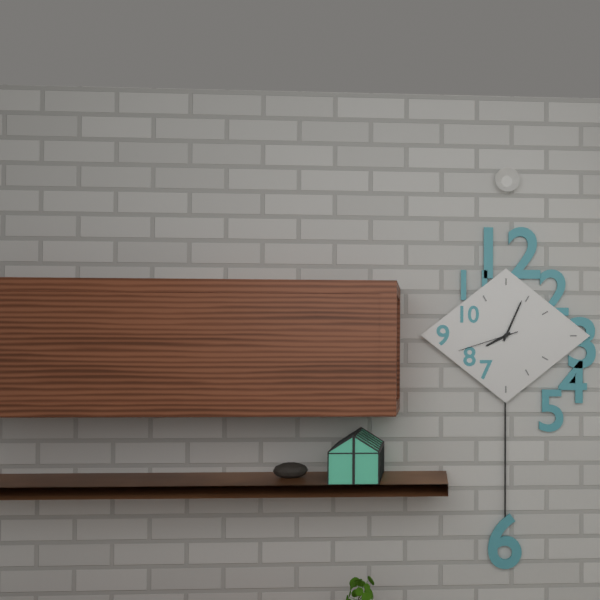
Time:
8h04m42s
